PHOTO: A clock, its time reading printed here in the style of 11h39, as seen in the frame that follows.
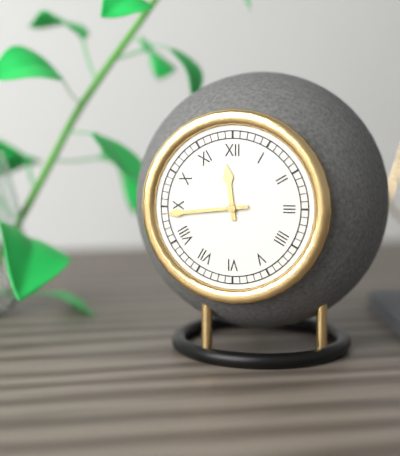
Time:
11h44
